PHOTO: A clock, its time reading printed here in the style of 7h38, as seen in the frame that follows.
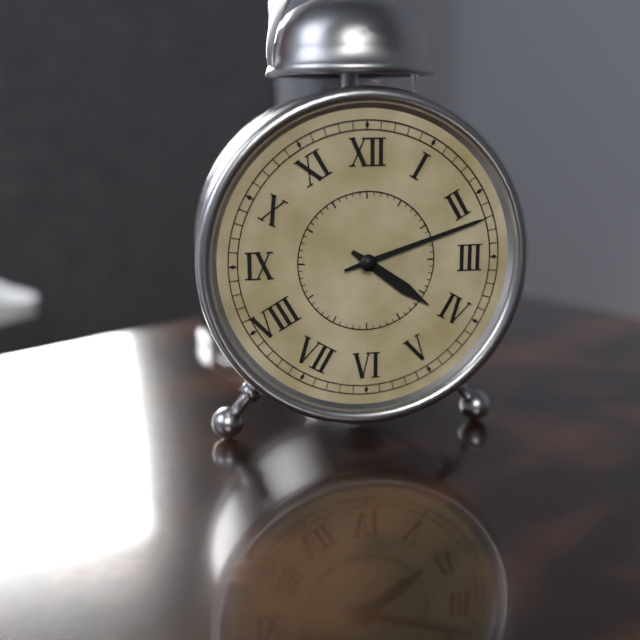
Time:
4h12
